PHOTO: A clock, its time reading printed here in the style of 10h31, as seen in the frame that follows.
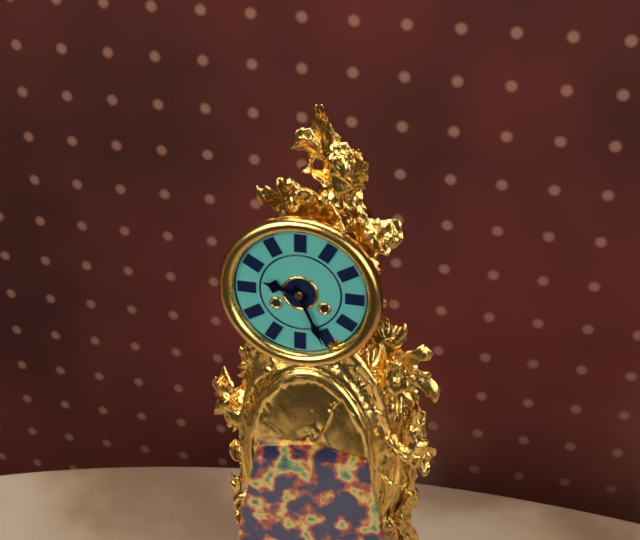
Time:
9h26
